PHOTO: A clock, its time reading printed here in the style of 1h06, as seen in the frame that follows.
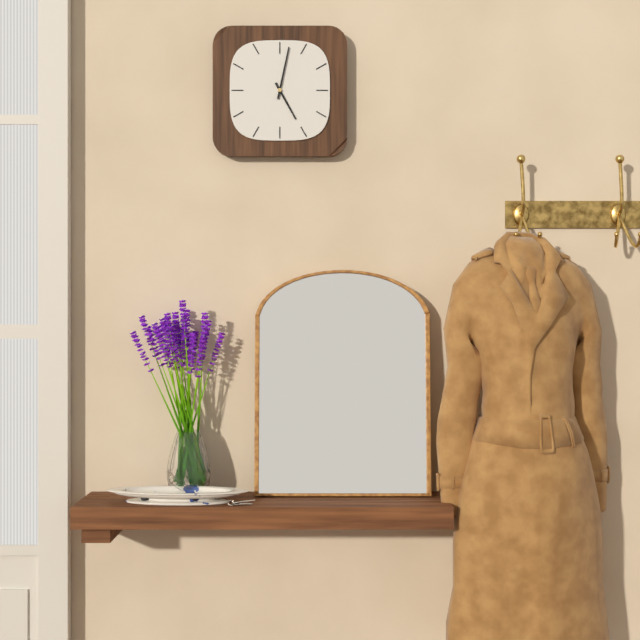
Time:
5h02
